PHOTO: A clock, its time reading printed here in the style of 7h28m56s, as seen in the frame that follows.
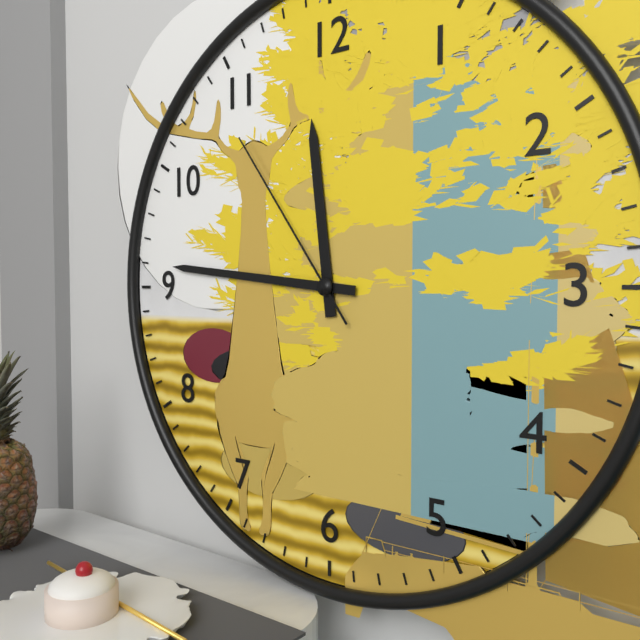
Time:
11h46m54s
